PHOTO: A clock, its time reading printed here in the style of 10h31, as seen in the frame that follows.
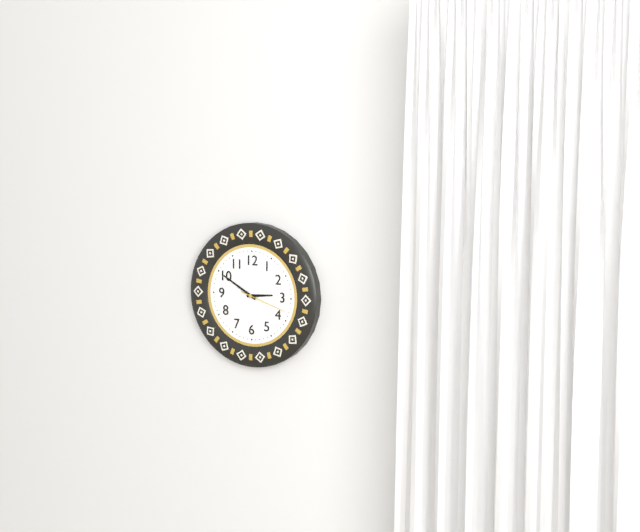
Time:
2h50
